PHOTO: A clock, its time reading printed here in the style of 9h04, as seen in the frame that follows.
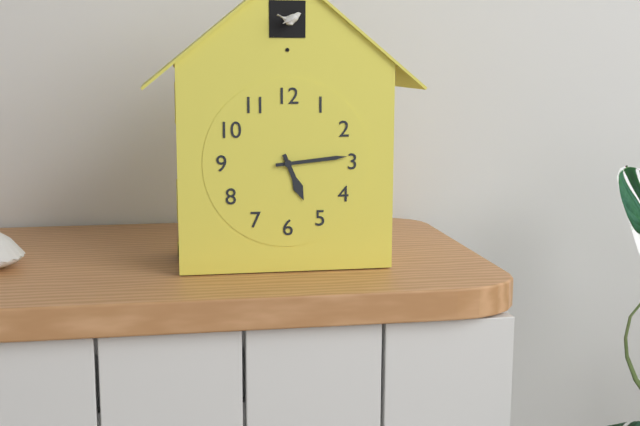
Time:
5h14
